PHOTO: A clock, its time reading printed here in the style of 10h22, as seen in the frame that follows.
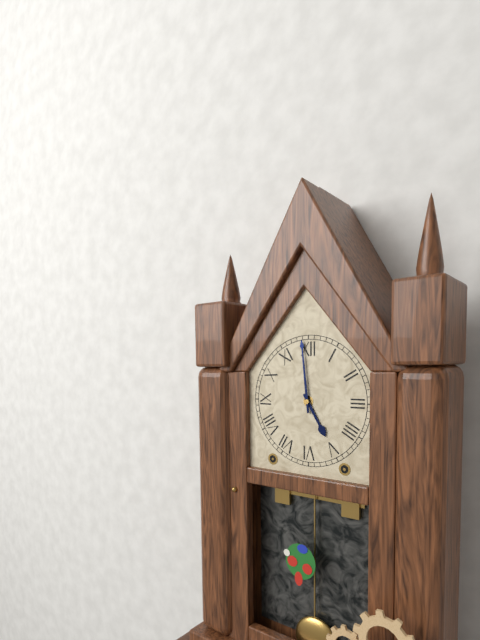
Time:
4h59
